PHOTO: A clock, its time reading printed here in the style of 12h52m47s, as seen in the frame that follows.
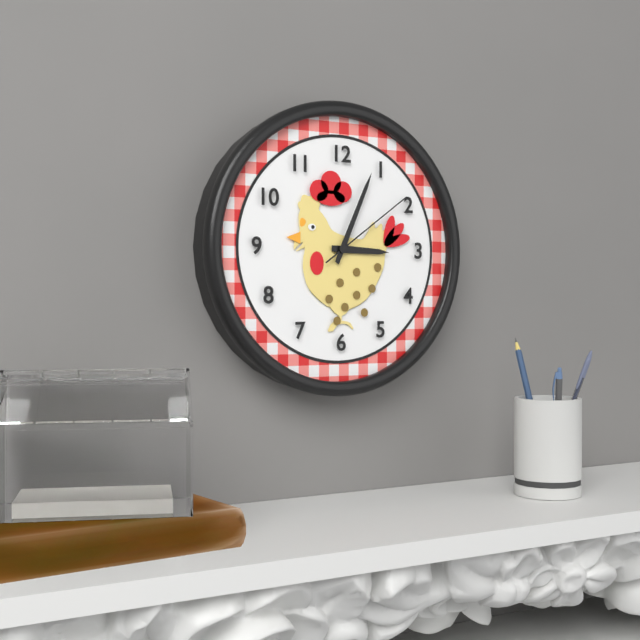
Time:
3h04m09s
